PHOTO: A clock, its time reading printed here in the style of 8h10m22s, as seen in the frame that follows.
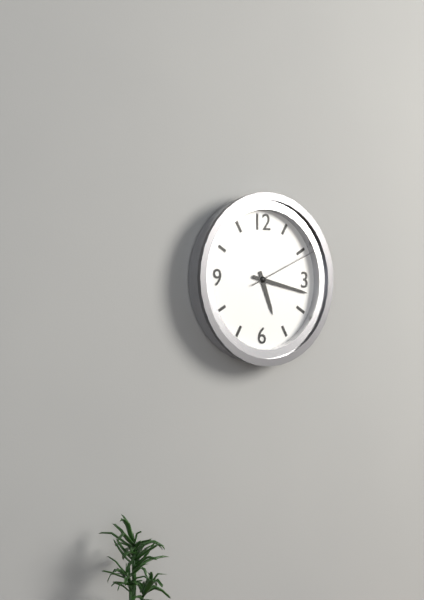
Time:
5h17m11s
